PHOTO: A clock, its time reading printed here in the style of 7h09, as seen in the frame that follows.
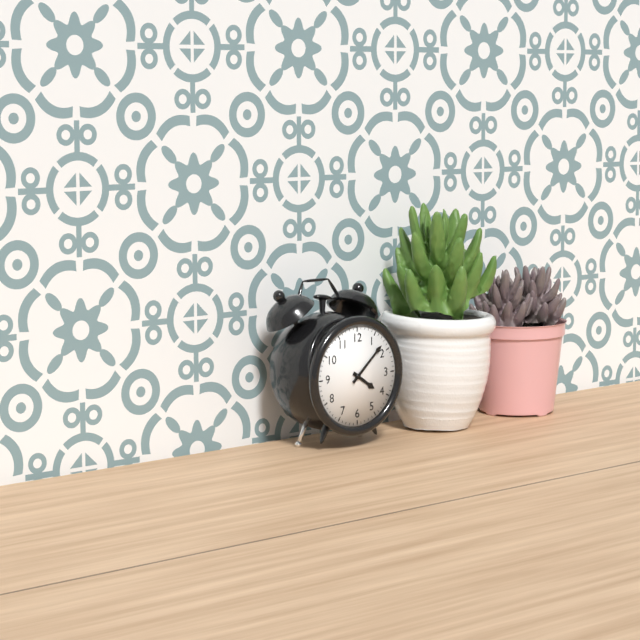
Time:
4h08
